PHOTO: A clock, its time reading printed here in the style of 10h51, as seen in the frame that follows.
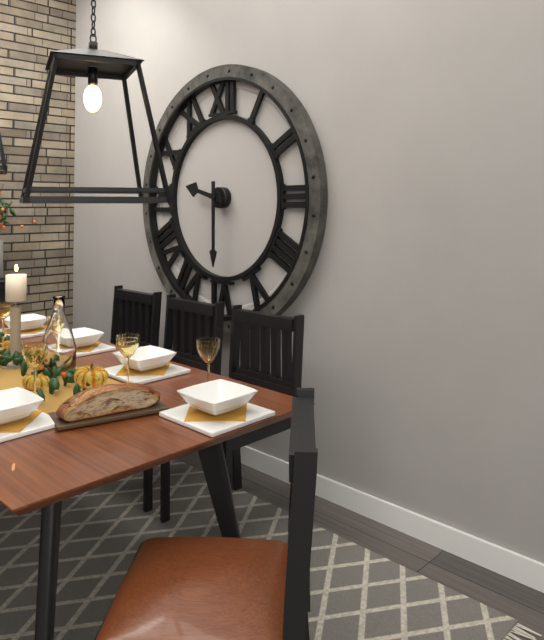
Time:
9h30
